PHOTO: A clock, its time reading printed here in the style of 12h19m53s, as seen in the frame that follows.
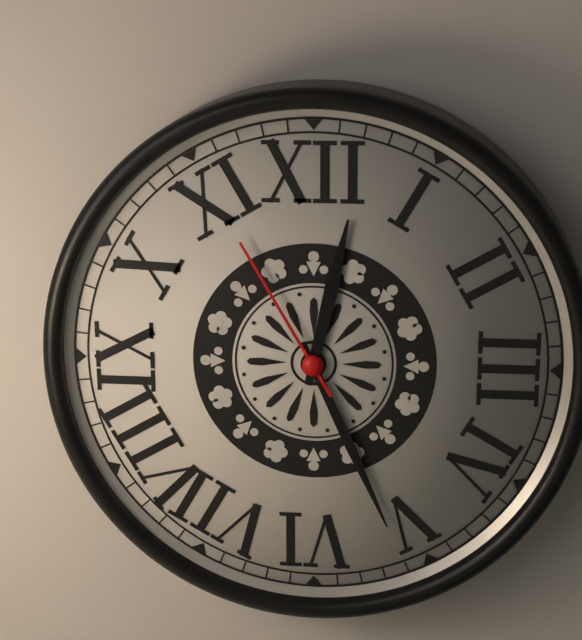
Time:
12h26m55s
